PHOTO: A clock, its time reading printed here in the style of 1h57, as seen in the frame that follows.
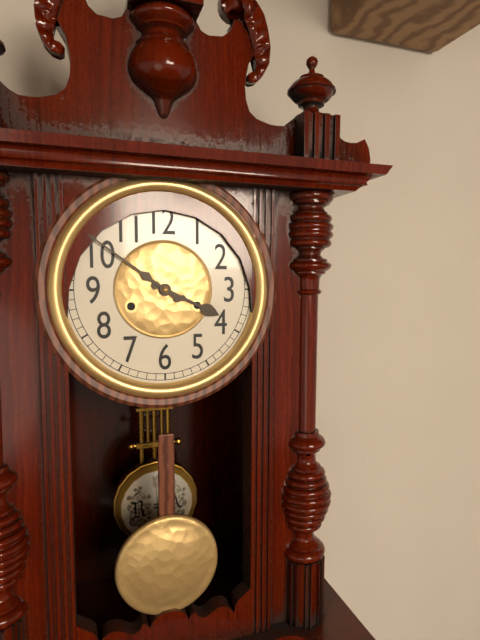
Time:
3h51
